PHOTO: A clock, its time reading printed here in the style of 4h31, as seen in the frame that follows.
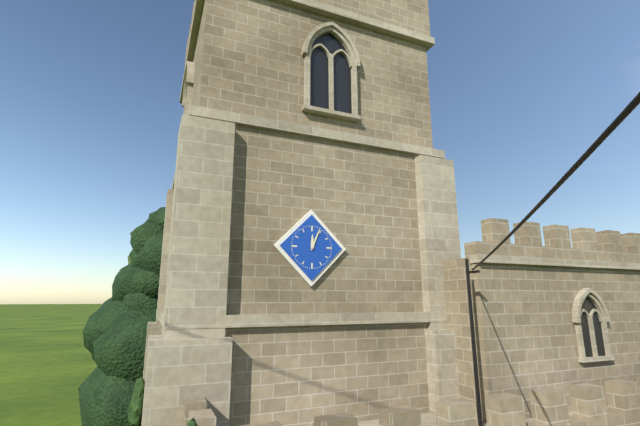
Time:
12h04
